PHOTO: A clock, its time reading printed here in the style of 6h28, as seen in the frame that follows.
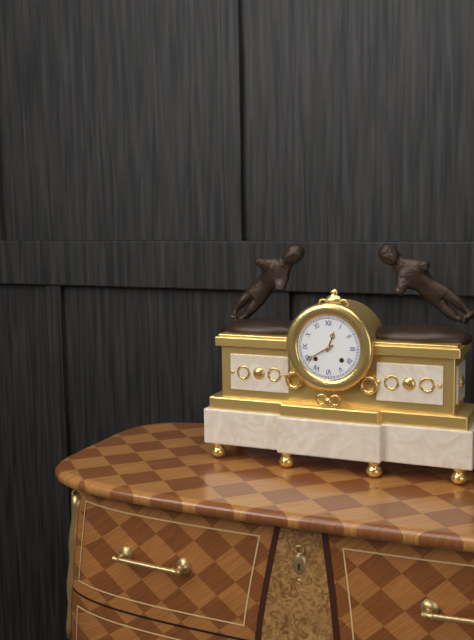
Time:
12h40
